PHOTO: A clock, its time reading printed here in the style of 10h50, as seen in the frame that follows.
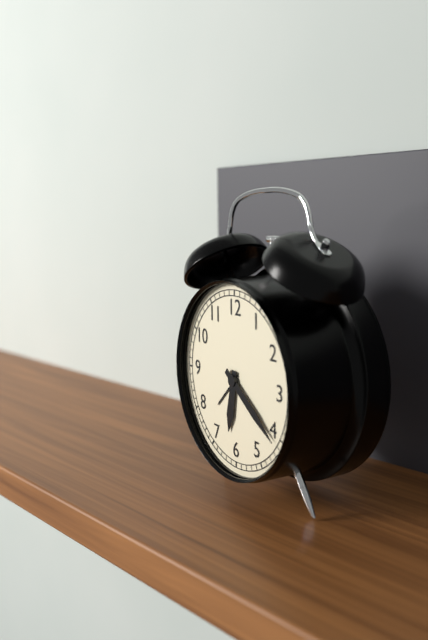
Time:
6h21
